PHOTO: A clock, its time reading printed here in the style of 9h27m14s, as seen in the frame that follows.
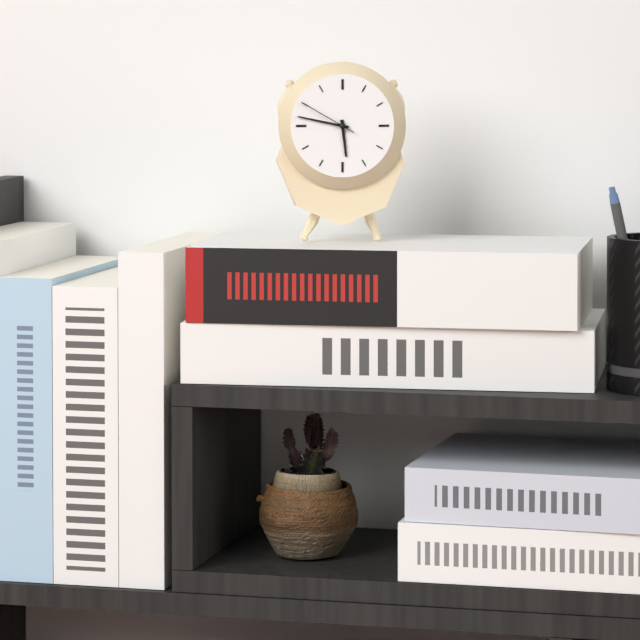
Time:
5h47m50s
